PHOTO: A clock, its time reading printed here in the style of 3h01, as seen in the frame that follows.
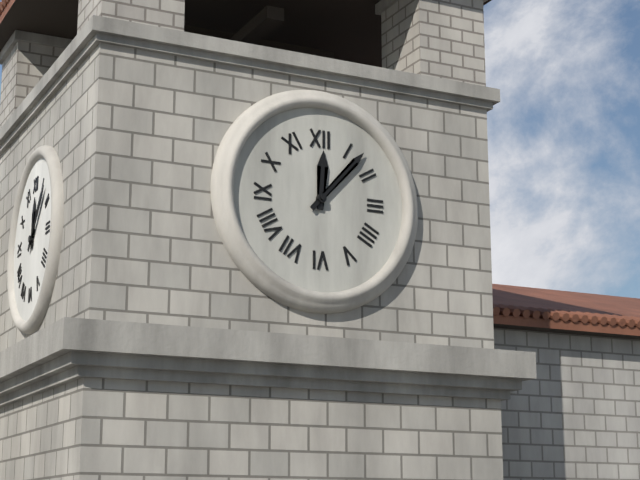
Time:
12h07
